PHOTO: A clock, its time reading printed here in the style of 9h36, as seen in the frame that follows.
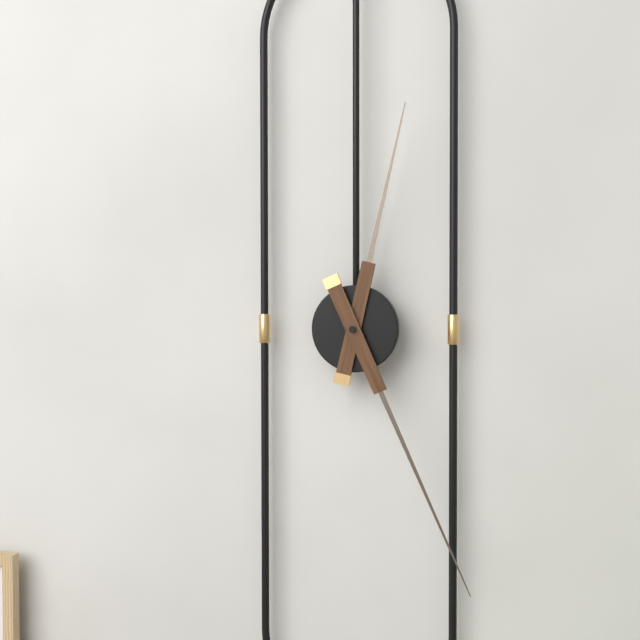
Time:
12h26
